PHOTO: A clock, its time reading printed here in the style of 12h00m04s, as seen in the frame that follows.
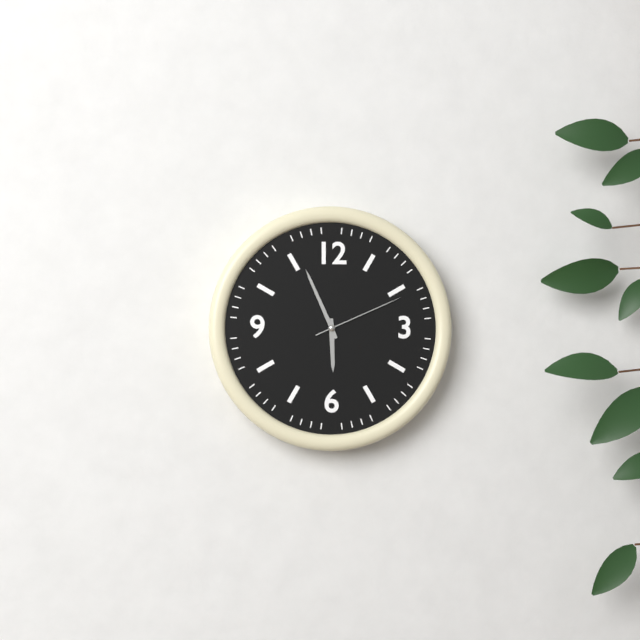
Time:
5h56m11s
